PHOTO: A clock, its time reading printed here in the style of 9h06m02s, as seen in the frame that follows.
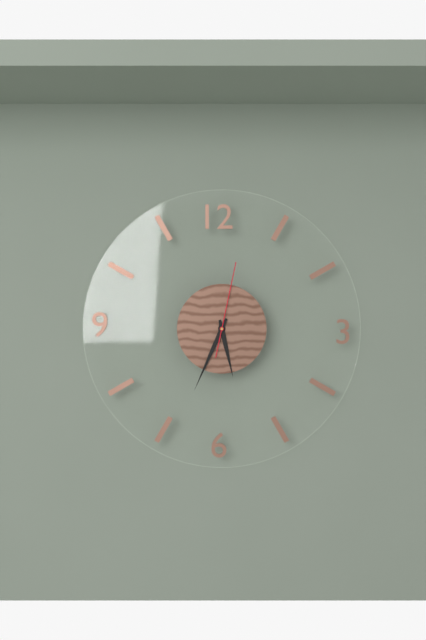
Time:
5h34m02s
